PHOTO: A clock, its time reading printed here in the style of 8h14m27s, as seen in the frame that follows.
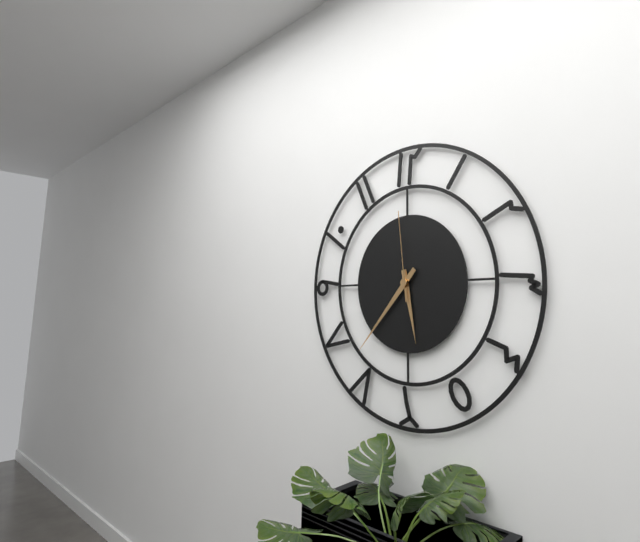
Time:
5h37m59s
